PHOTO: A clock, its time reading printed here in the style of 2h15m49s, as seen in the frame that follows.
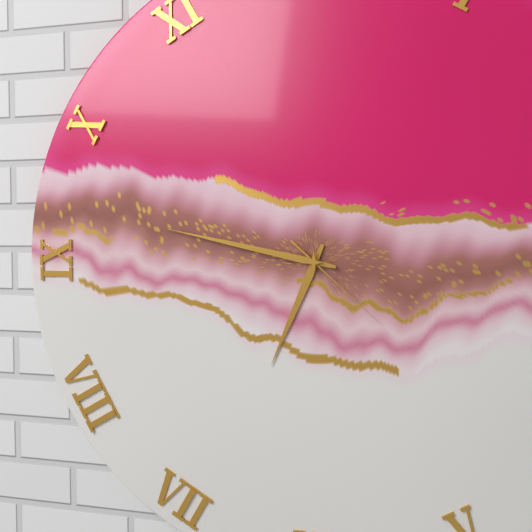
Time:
6h47m22s
